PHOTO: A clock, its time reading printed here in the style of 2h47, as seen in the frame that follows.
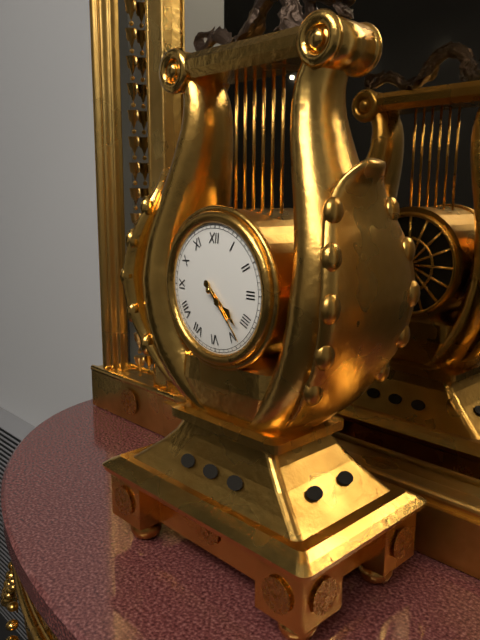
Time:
4h23
